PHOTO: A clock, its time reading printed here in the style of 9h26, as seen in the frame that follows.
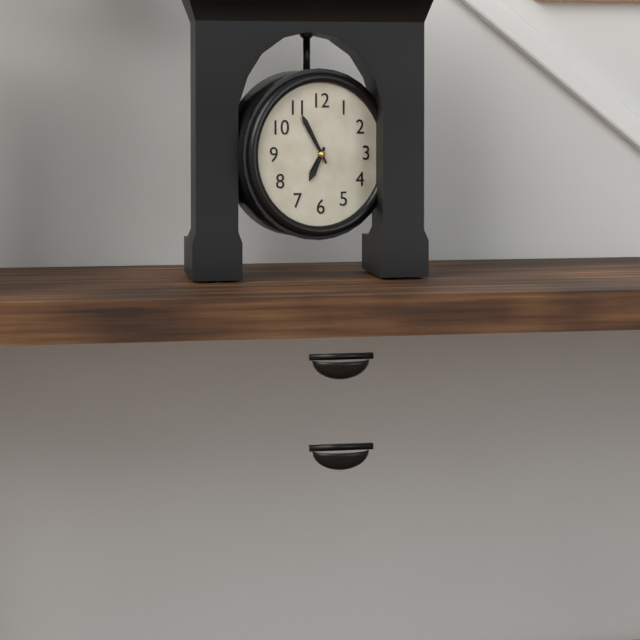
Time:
6h55
